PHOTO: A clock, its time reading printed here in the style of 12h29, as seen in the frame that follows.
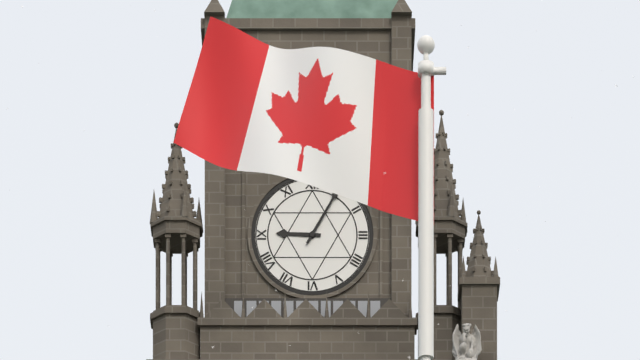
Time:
9h05
